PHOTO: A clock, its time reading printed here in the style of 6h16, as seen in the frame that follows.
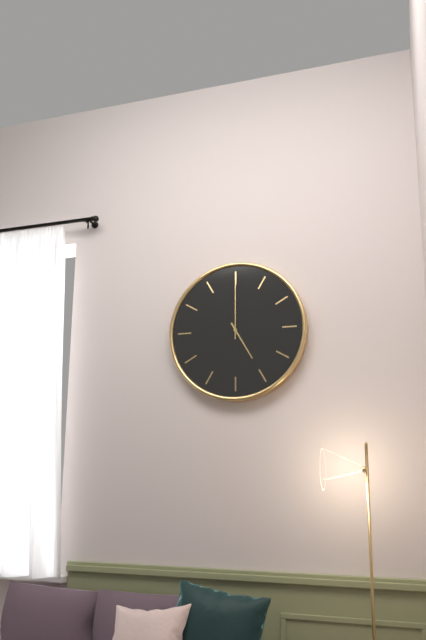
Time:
5h00
